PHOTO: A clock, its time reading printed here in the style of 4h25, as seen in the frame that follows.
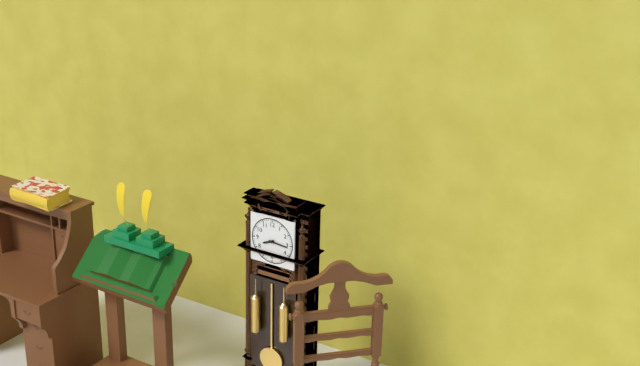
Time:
8h16
